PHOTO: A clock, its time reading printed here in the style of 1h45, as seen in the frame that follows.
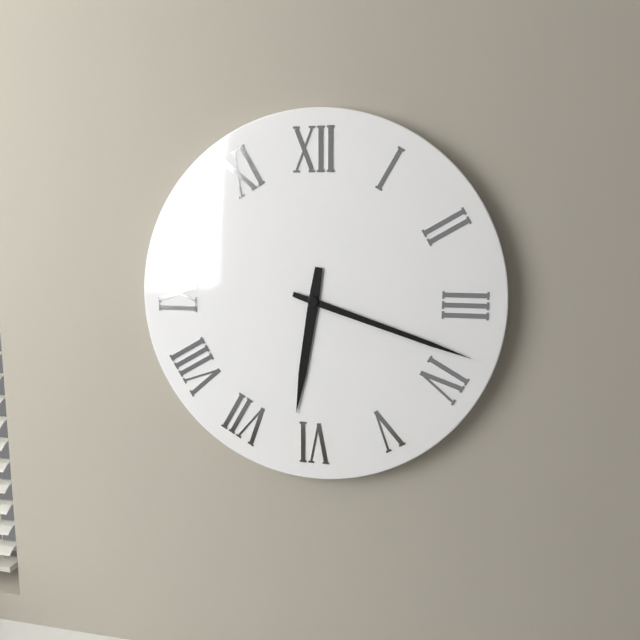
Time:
6h18
